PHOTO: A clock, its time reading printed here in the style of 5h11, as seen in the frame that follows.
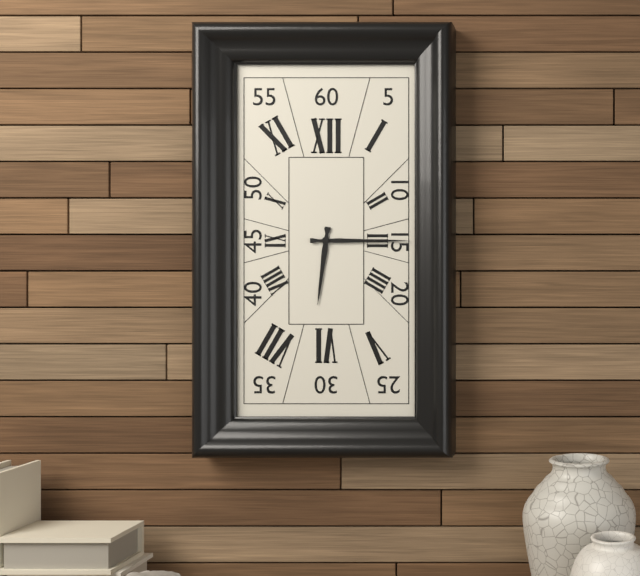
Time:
6h15
